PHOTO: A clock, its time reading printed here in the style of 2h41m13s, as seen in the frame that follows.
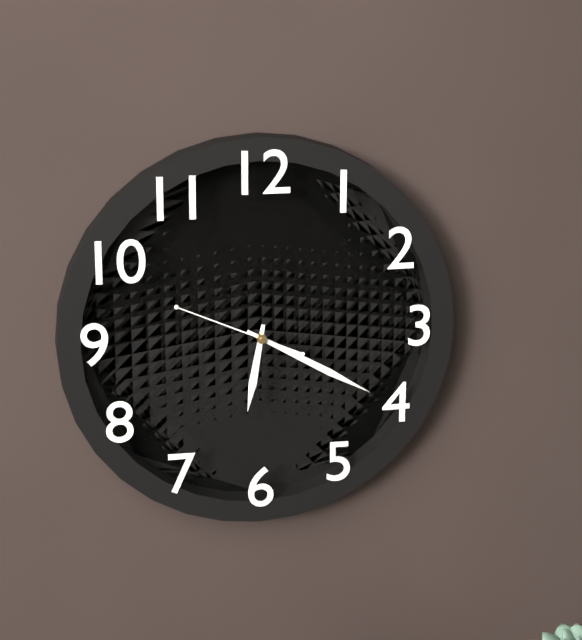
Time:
6h20m49s
